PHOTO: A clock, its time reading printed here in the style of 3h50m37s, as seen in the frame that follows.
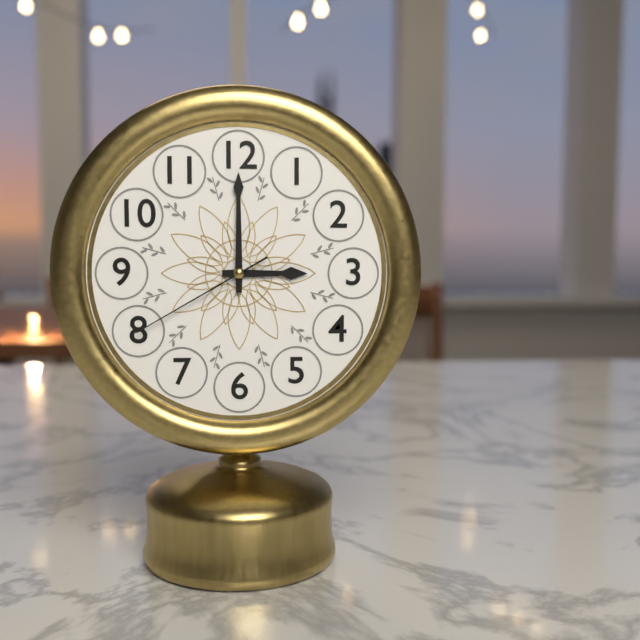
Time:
3h00m40s
